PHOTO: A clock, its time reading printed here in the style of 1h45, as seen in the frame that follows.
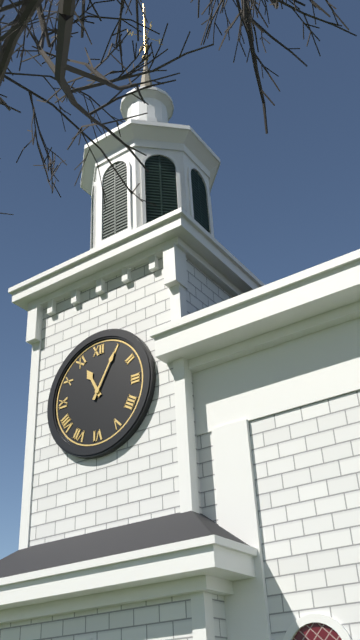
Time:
11h05
